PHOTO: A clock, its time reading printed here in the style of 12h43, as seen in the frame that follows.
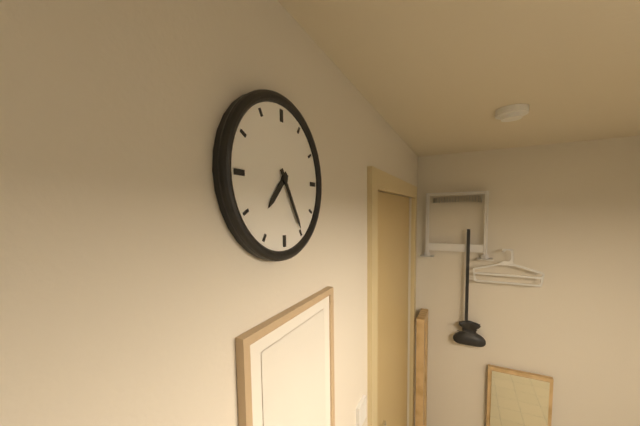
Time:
7h25
